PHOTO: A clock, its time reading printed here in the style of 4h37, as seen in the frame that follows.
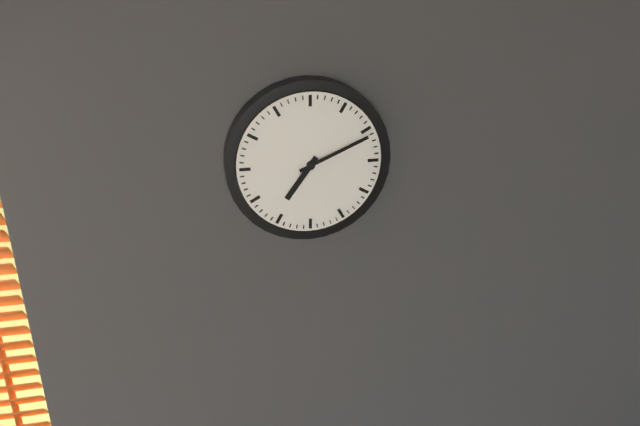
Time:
7h11
